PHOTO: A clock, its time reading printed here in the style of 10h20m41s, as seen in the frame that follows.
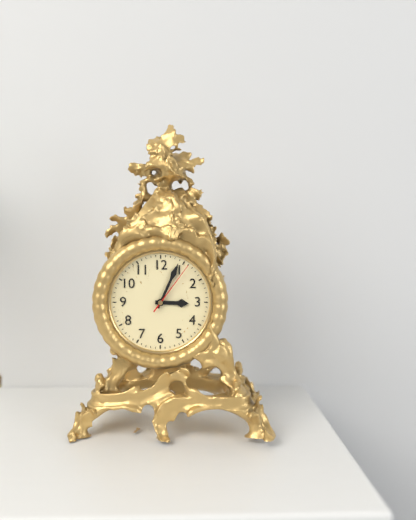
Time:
3h04m06s
